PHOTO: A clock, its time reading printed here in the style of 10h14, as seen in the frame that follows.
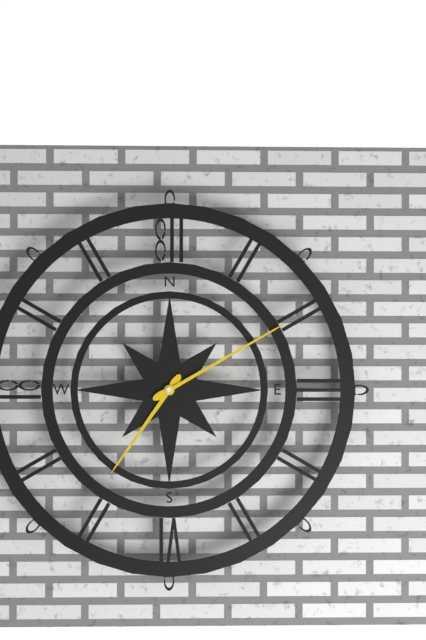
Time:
7h10
